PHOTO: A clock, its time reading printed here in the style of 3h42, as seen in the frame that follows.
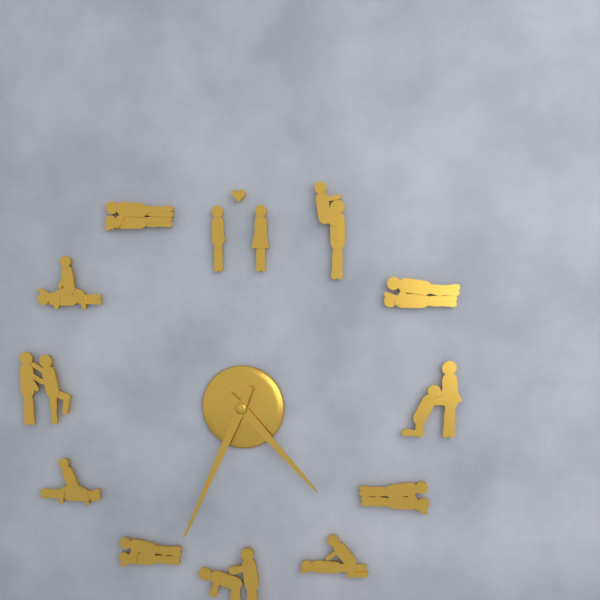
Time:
4h34
